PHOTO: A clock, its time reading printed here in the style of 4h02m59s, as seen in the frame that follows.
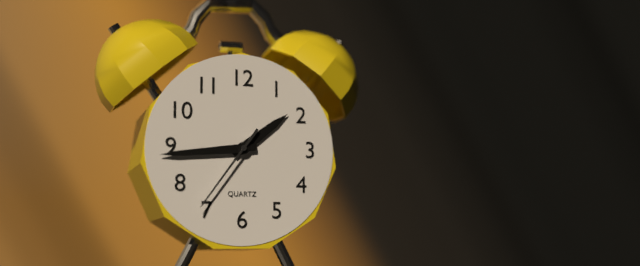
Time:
1h44m36s
